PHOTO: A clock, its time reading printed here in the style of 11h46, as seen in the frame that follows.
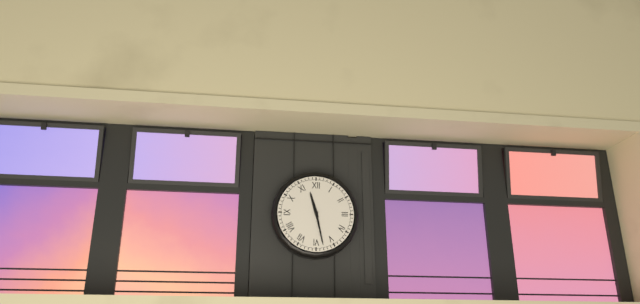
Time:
11h28
